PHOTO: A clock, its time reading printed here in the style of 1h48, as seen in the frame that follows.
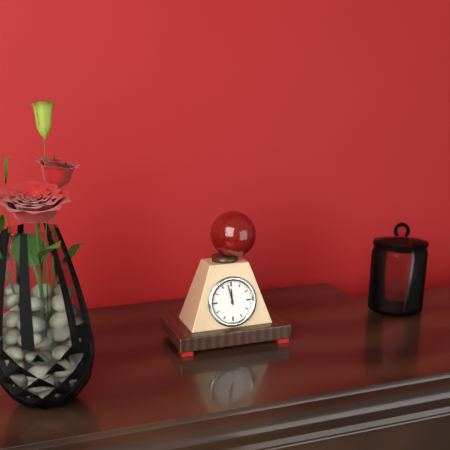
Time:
11h58
